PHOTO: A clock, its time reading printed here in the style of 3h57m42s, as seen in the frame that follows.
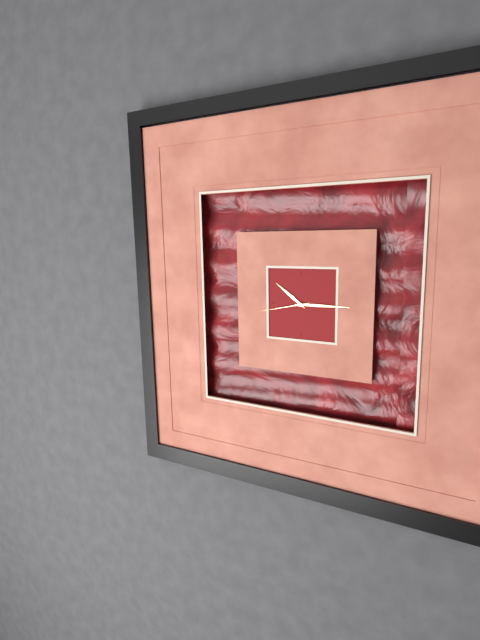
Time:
10h15m43s
